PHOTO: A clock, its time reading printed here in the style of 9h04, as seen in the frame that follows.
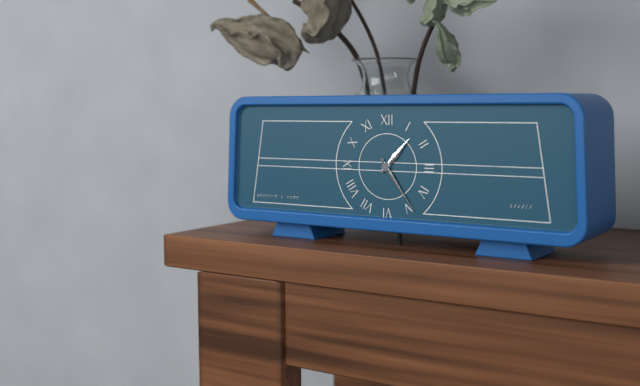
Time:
1h24
